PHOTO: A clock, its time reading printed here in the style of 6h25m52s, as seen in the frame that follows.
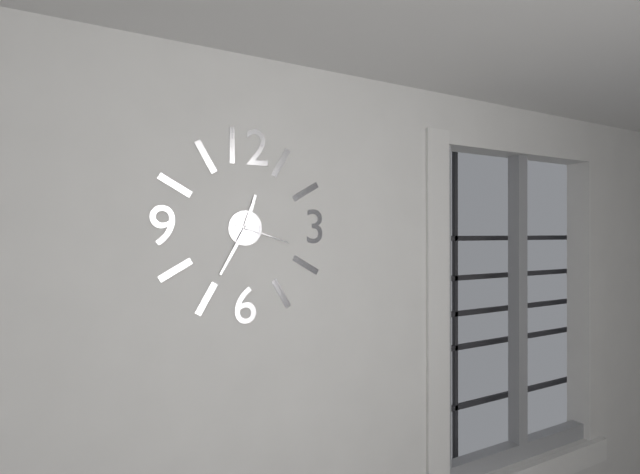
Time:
12h35m18s
